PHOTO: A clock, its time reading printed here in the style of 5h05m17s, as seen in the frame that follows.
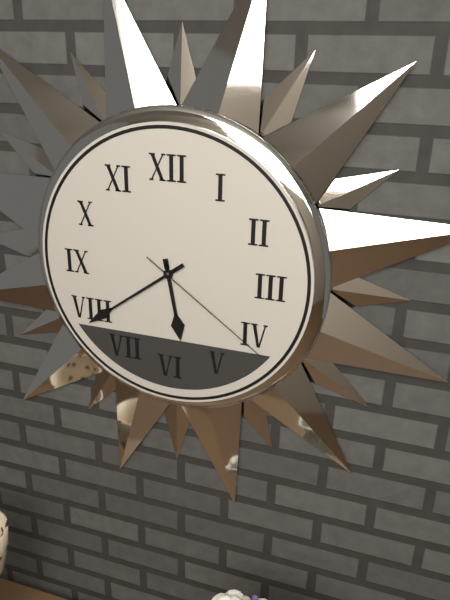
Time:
5h39m21s
